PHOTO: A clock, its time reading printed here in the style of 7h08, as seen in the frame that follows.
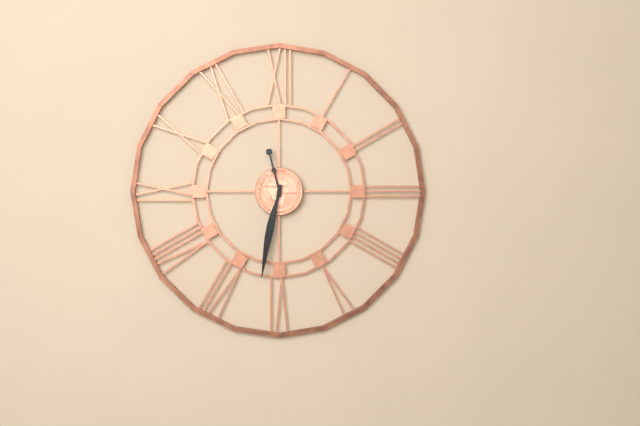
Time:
11h32
